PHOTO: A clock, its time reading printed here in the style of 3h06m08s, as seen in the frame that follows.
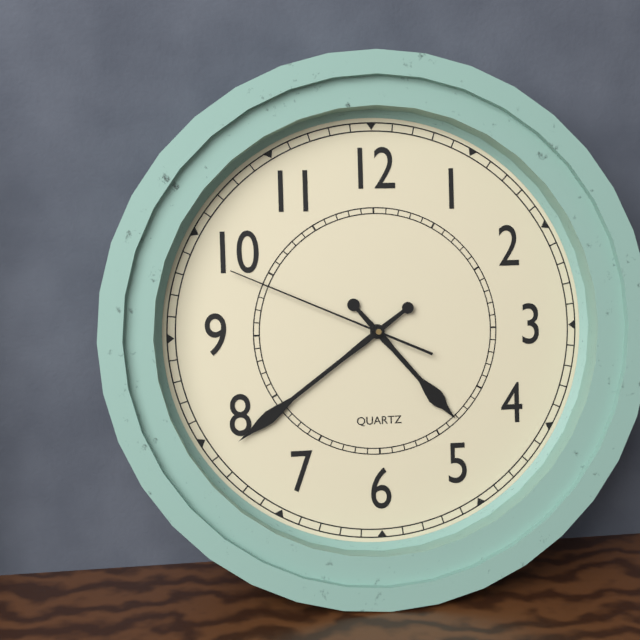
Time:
4h39m49s
